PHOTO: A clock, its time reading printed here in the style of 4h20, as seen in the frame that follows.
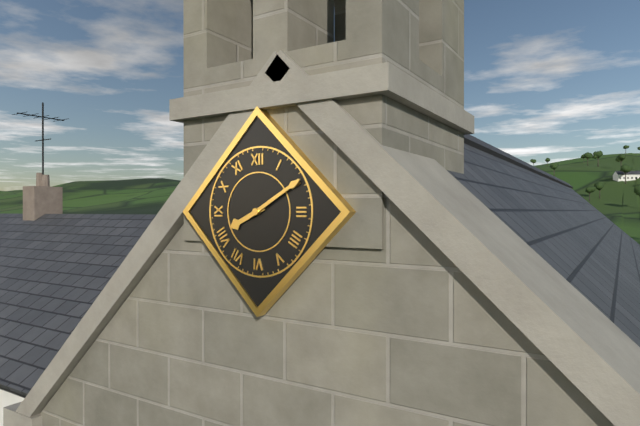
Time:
8h10
